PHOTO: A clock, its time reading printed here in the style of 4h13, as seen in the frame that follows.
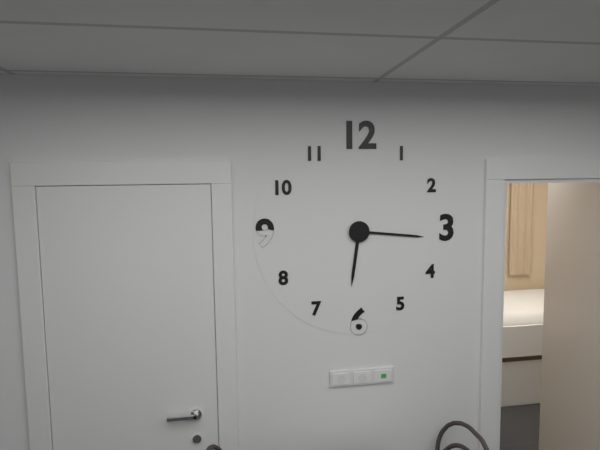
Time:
6h16
